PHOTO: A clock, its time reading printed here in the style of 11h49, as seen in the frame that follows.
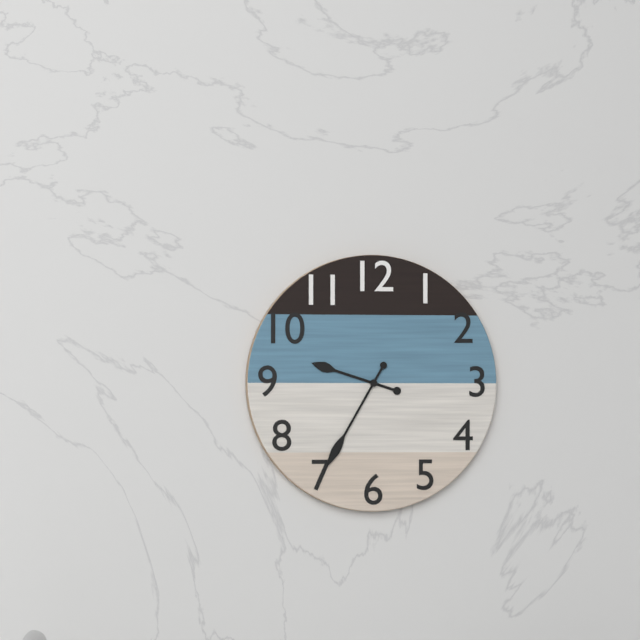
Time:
9h35
